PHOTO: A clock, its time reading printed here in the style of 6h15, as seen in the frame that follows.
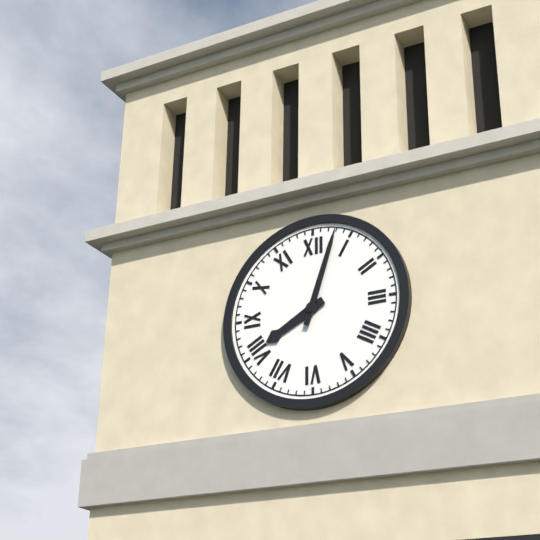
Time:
8h03
